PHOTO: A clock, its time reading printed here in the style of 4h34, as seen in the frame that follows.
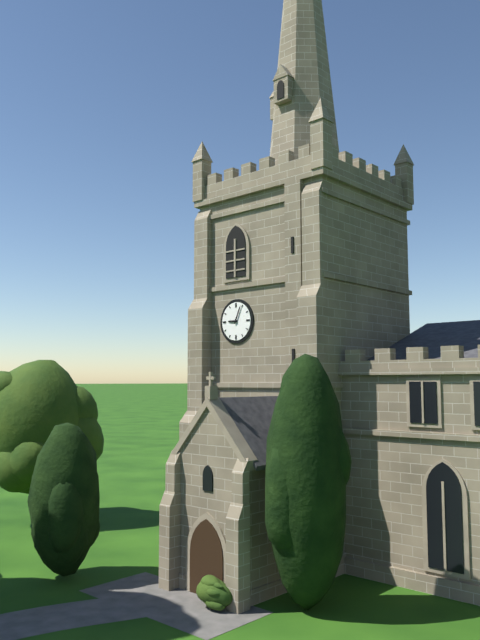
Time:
9h04
